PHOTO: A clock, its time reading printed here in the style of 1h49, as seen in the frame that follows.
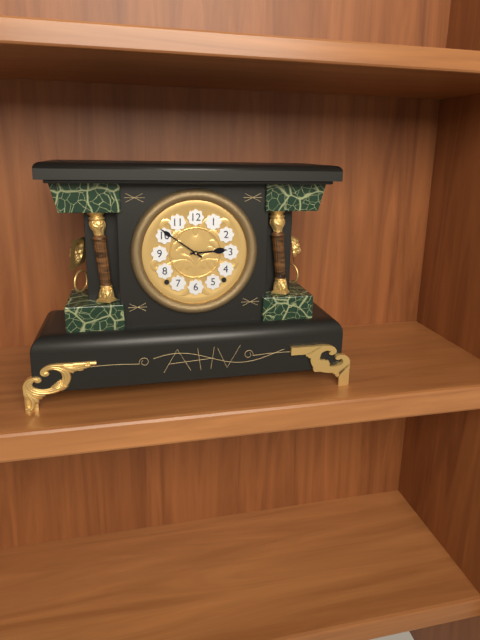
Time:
2h51
